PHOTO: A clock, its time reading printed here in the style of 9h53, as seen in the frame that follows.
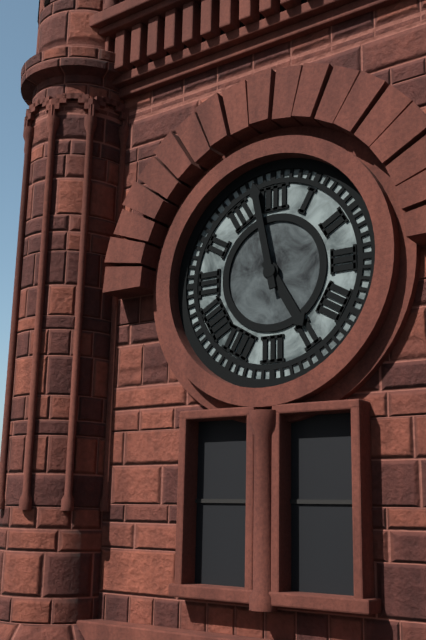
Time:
4h58
